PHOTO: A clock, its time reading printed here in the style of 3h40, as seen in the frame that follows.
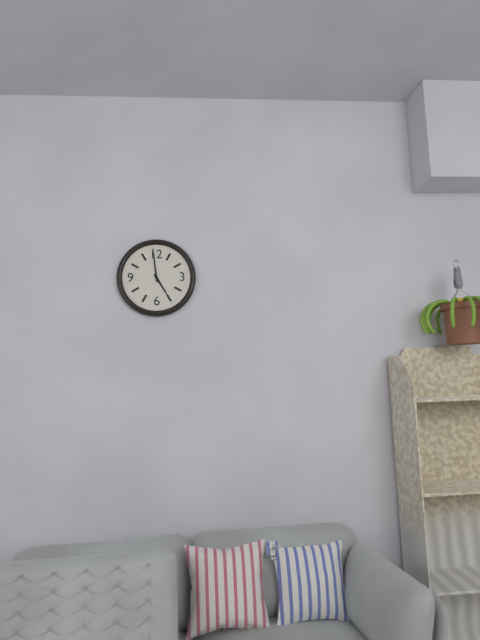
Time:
4h59
